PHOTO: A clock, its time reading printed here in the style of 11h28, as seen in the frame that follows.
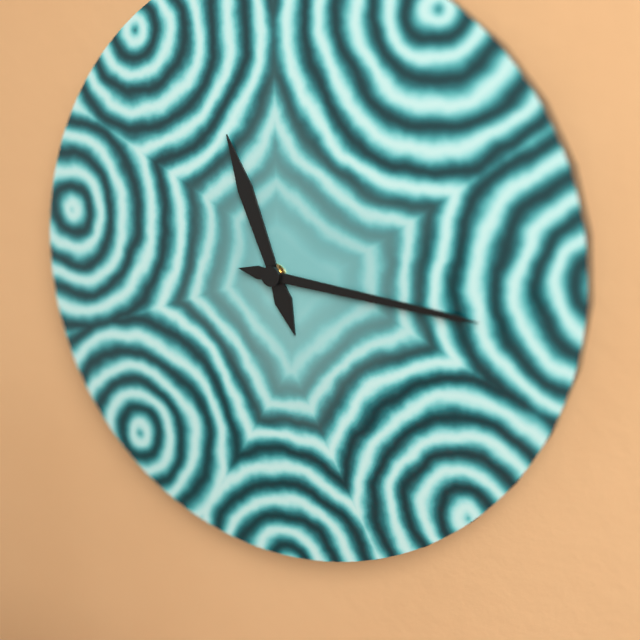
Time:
11h16
